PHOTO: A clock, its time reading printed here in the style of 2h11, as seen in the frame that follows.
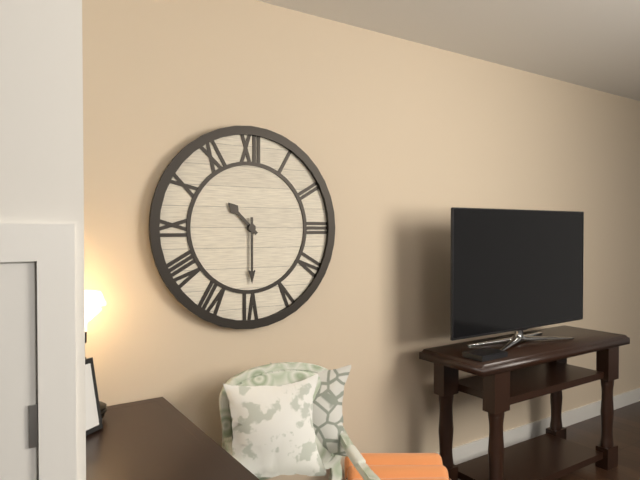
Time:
10h30
